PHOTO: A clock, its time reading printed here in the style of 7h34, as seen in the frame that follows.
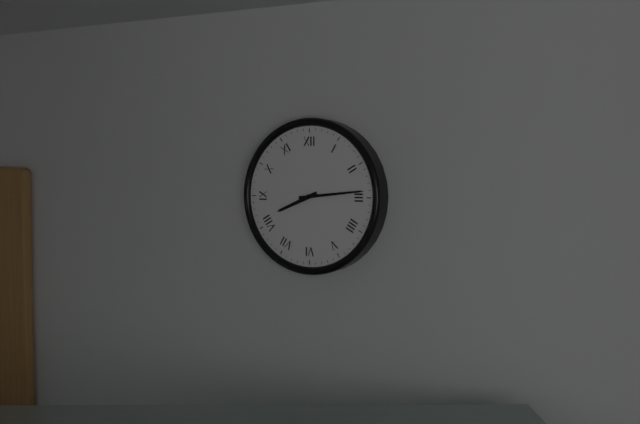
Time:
8h14
